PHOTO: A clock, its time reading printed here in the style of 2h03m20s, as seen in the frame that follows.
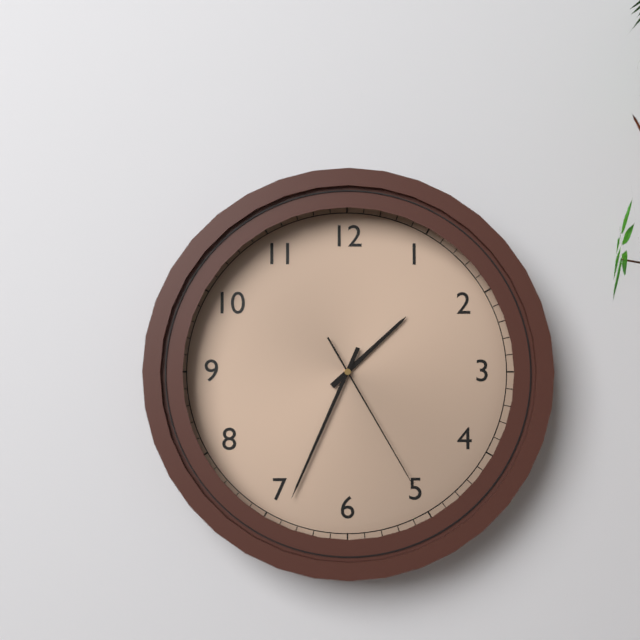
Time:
1h34m25s
